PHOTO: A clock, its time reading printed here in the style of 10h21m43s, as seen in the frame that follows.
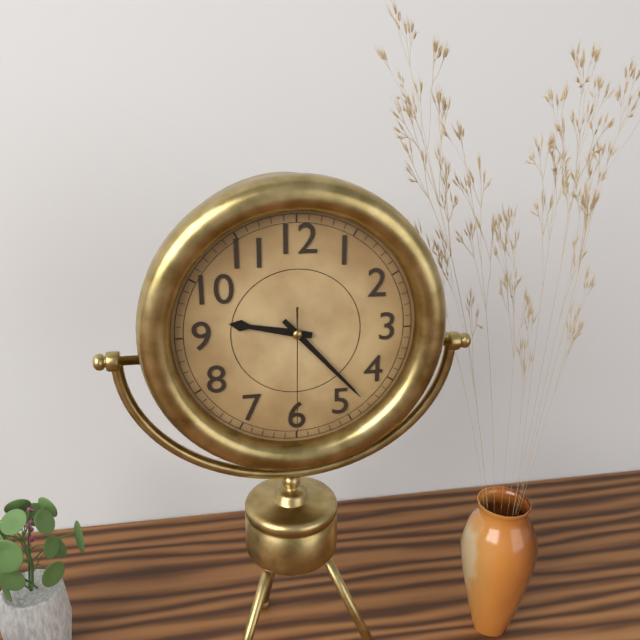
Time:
9h23m30s
